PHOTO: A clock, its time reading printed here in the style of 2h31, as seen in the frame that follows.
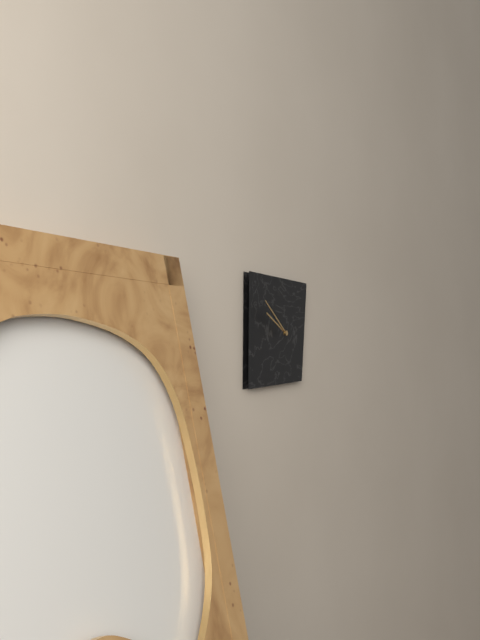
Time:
9h51
